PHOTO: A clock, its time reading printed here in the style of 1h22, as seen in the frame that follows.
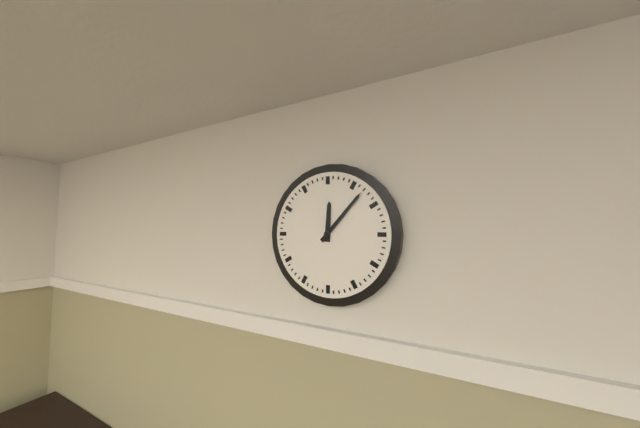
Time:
12h07
